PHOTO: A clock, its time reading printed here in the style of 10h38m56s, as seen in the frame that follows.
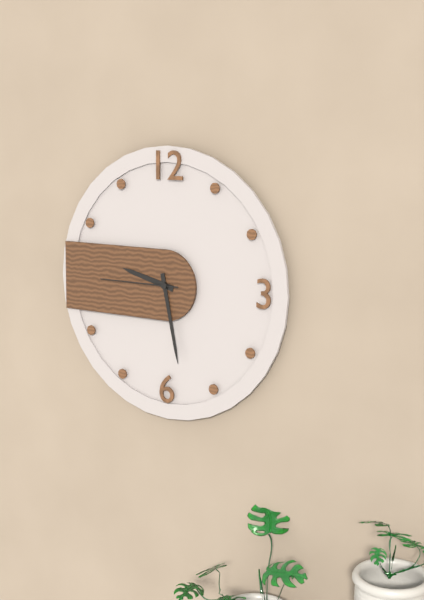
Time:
9h28m45s
